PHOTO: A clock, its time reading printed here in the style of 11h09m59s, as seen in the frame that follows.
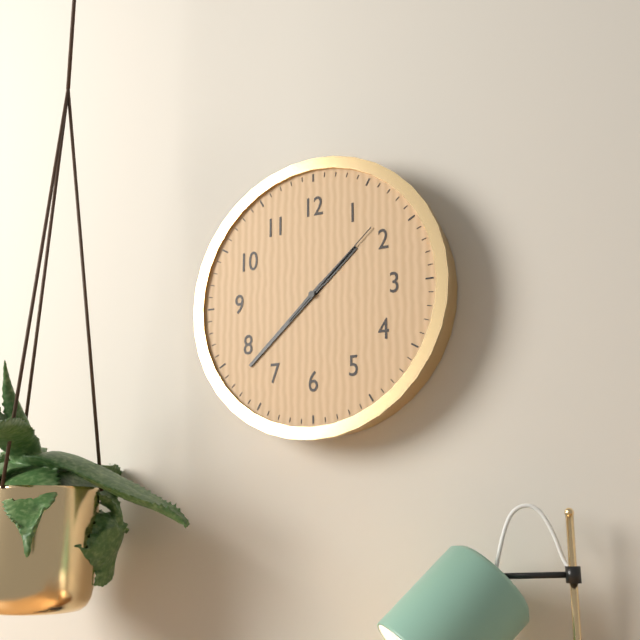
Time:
1h38m08s
